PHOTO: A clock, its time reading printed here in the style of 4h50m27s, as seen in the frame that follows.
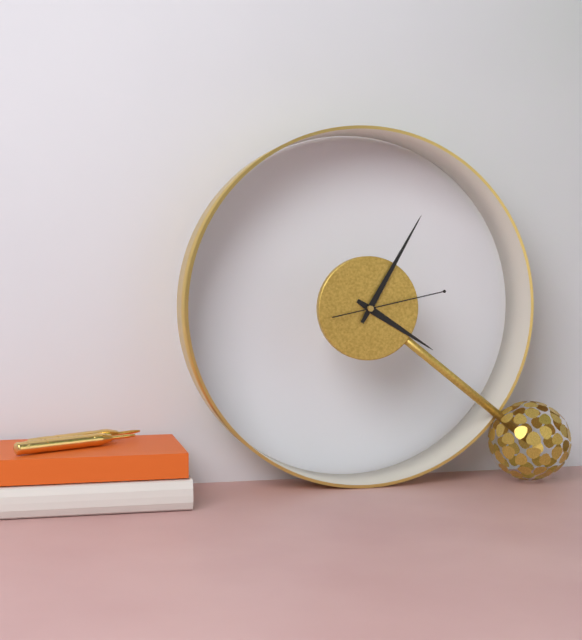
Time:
4h05m13s
